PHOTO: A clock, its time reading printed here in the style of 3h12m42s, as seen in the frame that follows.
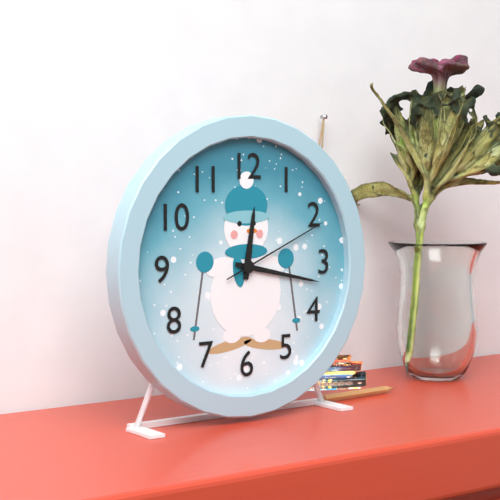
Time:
12h17m11s
